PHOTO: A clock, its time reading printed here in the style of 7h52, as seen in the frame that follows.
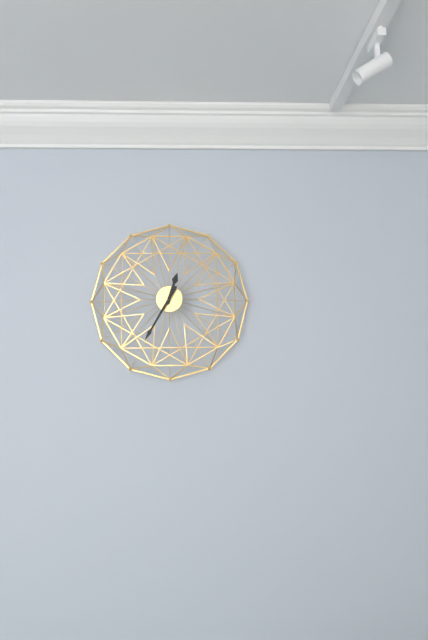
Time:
12h35
